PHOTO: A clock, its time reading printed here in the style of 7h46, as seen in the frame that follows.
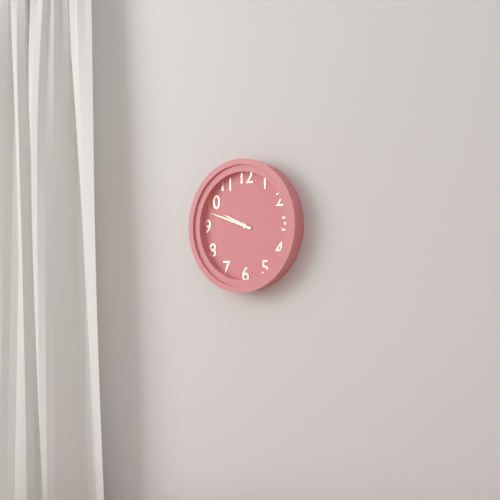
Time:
9h48
